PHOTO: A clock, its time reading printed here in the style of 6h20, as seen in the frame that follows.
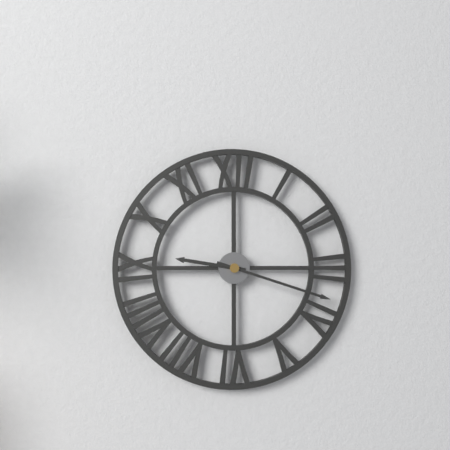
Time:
9h18
